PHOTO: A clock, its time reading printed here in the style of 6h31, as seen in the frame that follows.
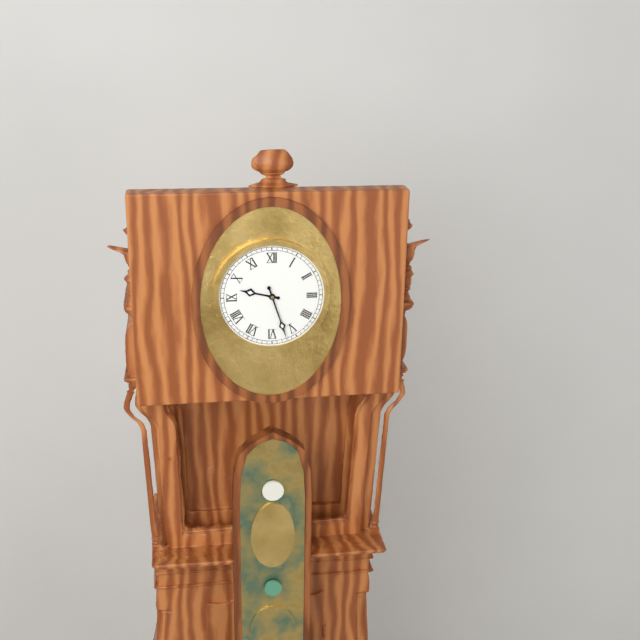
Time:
9h27
